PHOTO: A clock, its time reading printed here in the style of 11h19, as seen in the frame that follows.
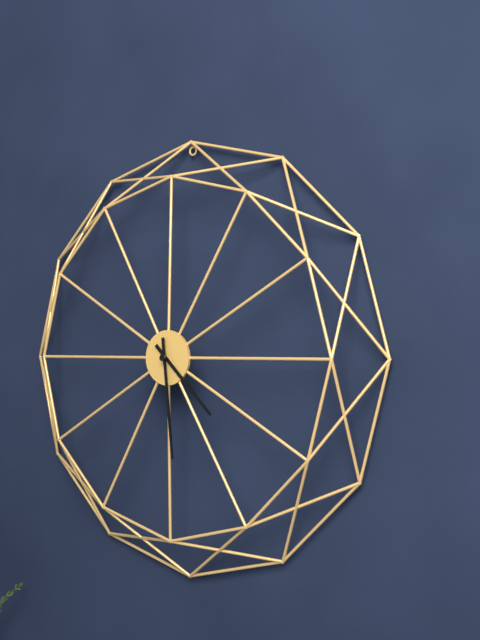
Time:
4h29
